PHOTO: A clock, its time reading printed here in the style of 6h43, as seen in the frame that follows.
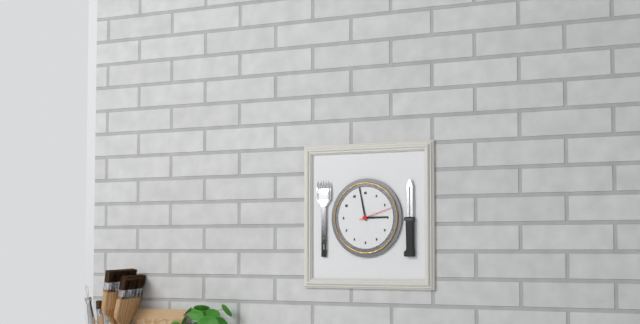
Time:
2h58
